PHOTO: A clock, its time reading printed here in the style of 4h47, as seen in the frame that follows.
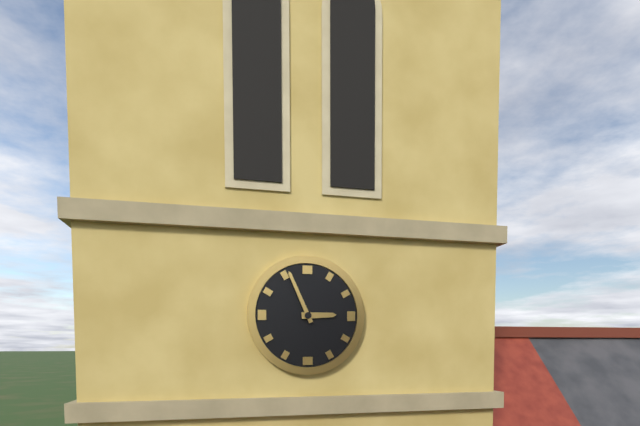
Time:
2h56
